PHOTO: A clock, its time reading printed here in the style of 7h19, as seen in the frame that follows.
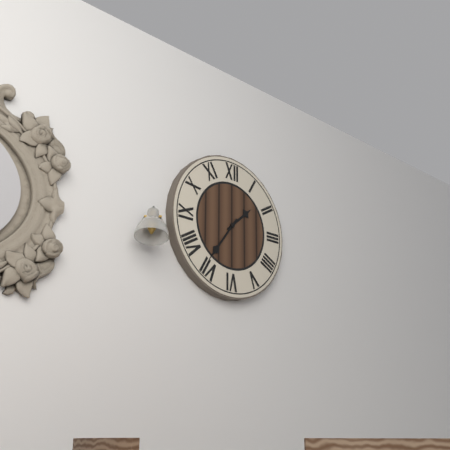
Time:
1h36
